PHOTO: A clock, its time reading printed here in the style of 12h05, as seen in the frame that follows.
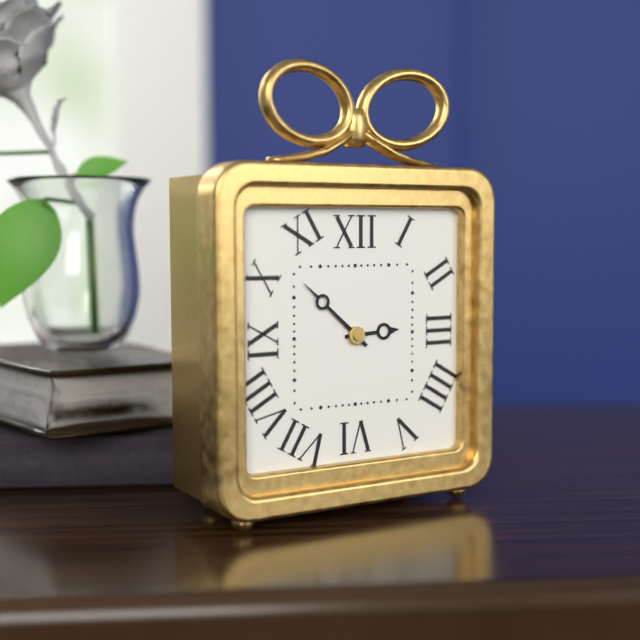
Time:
2h52
